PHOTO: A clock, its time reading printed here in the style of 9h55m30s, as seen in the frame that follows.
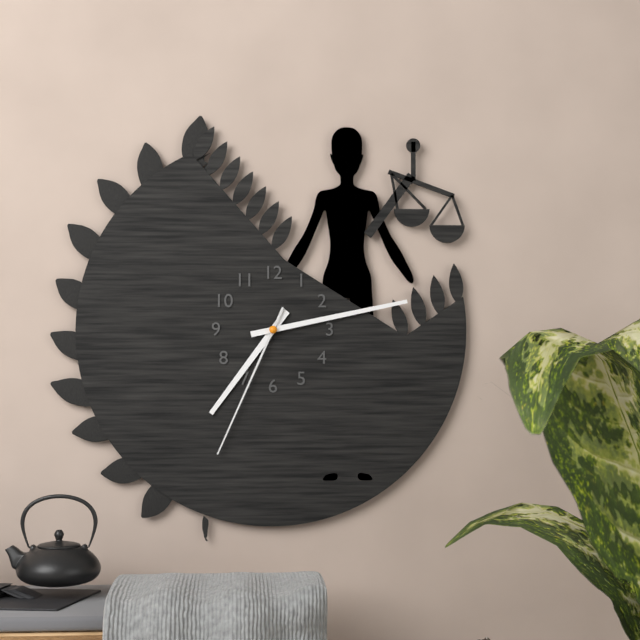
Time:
7h13m34s
